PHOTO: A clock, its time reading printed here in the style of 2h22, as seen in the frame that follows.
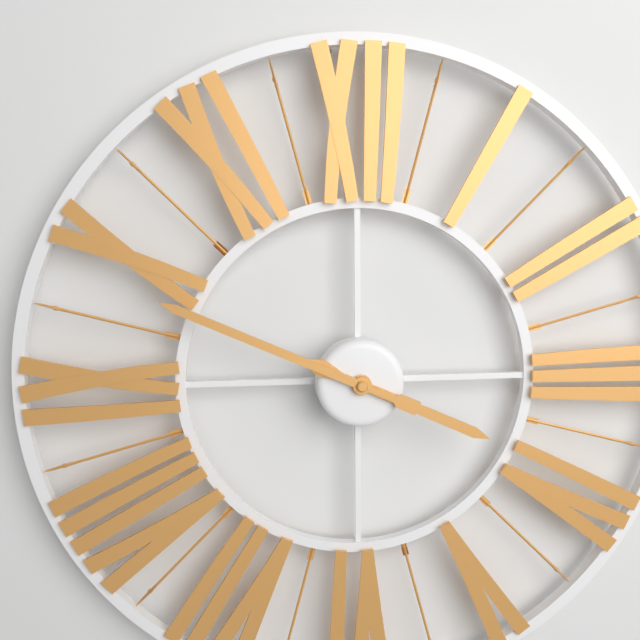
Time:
3h49
